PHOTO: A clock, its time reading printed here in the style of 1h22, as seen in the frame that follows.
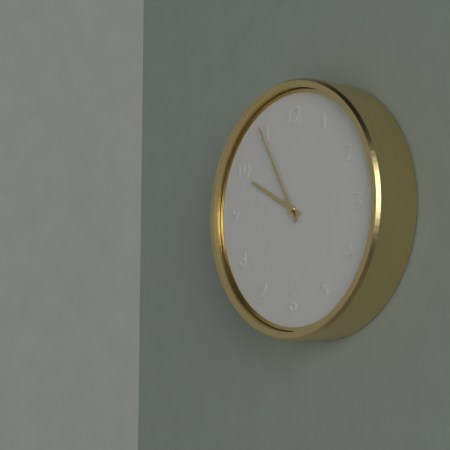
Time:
9h55
